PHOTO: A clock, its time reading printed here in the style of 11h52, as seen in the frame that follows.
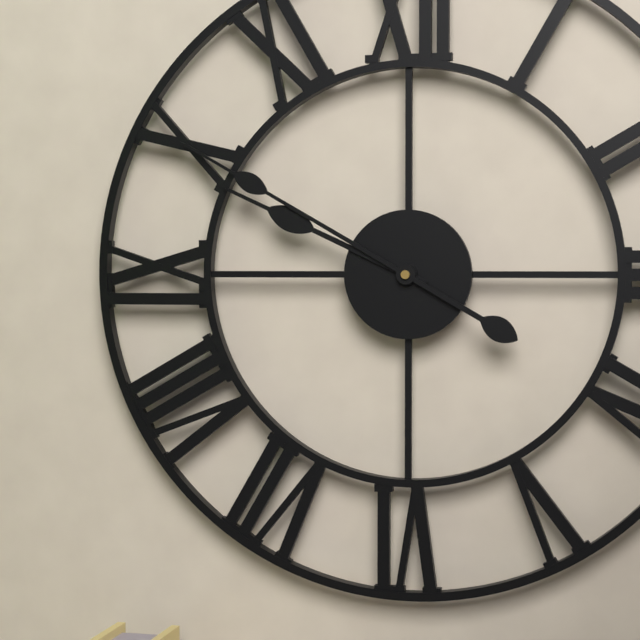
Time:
9h50
